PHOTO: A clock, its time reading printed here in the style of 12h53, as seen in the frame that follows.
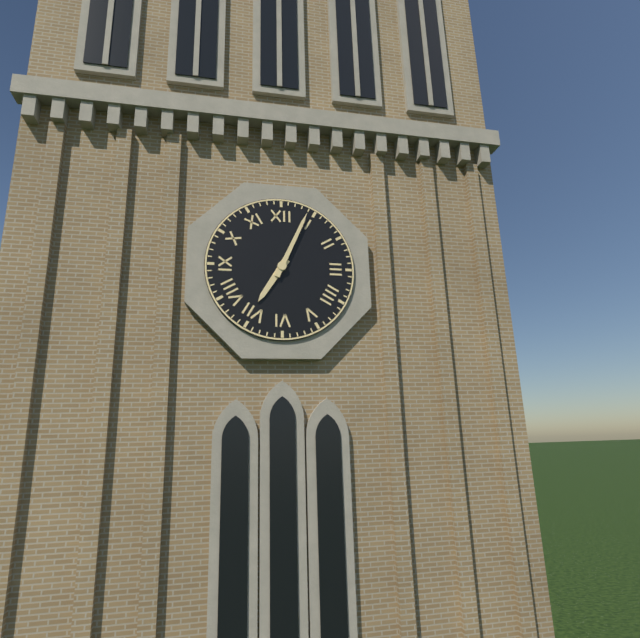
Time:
7h04
